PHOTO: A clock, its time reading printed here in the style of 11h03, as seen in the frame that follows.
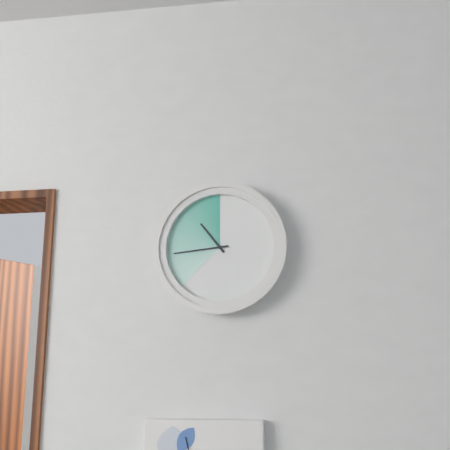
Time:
10h44
